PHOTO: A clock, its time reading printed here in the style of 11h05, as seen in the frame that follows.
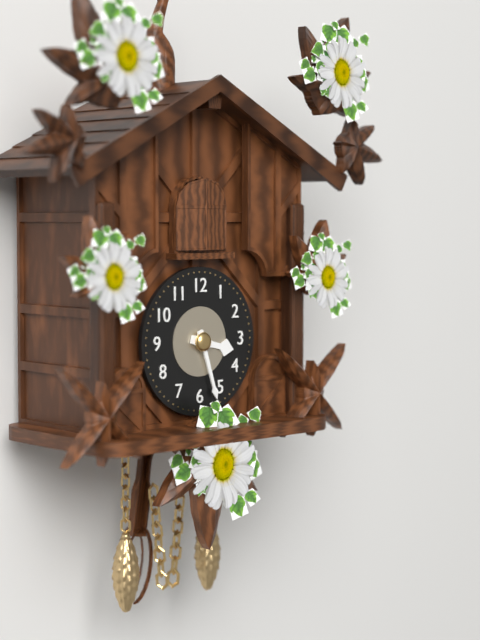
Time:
3h27
